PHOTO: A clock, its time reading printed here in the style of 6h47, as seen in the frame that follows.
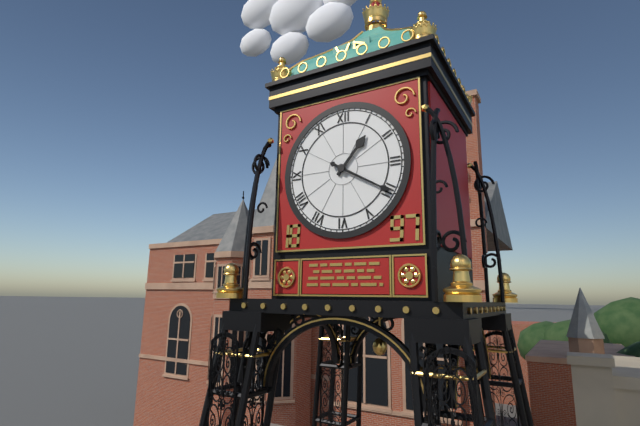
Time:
1h20
